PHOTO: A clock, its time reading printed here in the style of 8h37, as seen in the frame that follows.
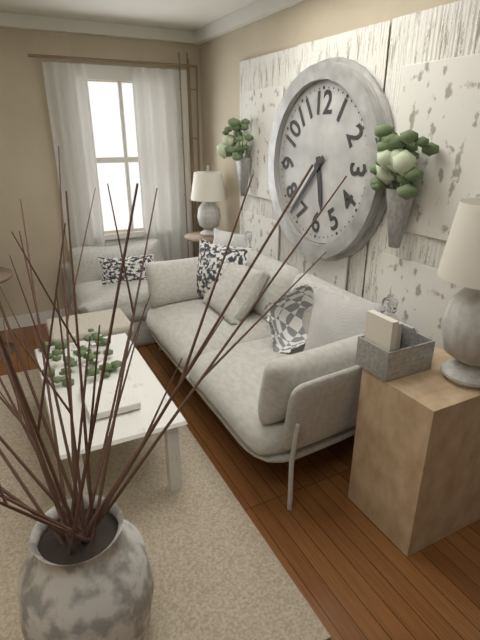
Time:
5h37
